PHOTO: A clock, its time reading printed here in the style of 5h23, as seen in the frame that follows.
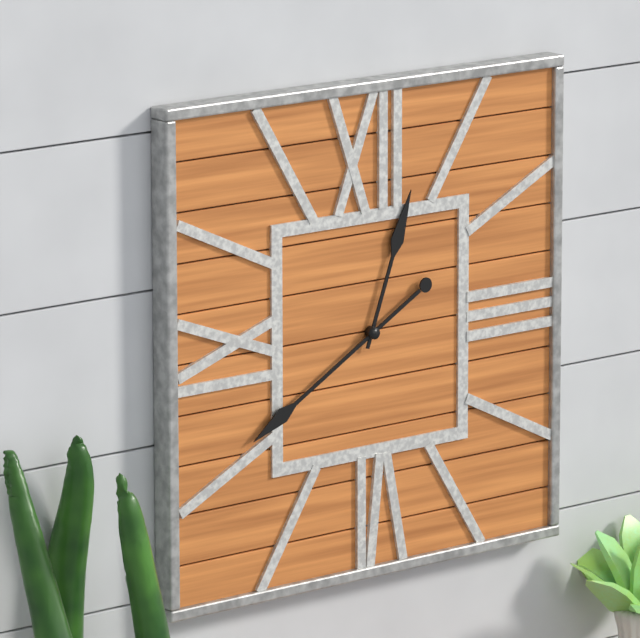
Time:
12h40
